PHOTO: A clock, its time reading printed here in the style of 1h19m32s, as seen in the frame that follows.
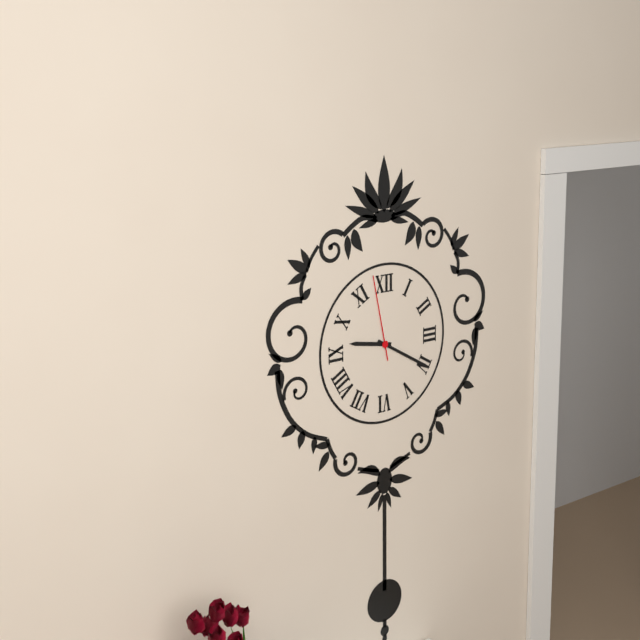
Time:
9h20m58s
